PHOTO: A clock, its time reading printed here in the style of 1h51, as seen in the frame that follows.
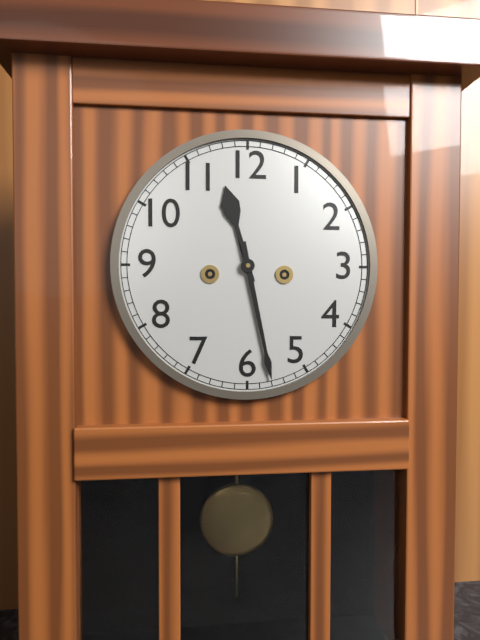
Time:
11h28
